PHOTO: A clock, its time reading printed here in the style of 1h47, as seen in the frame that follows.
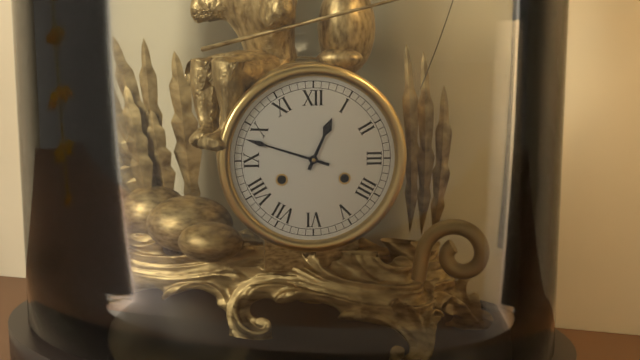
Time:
12h48
